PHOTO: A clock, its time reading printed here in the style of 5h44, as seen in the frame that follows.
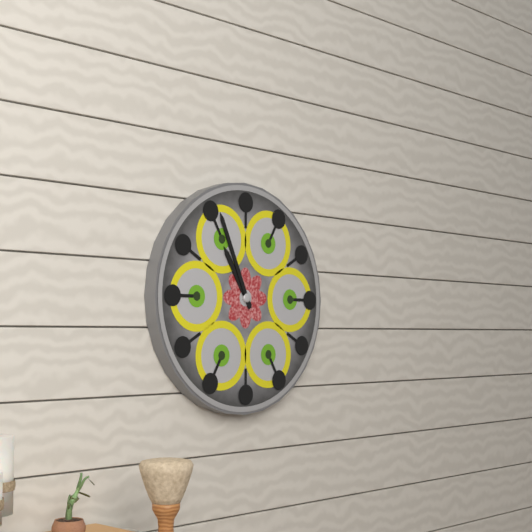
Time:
10h56
